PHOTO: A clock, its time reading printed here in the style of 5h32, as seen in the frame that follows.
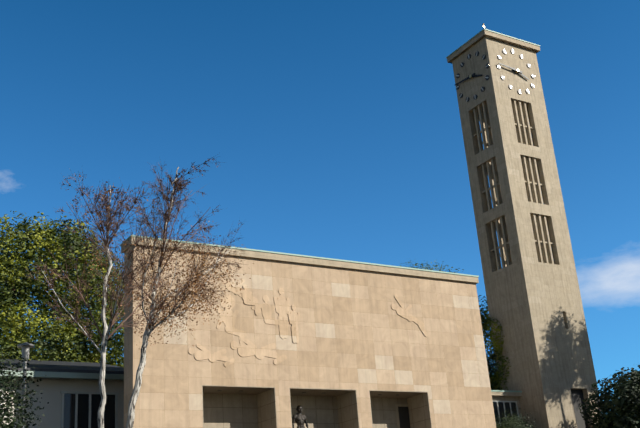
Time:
3h46
